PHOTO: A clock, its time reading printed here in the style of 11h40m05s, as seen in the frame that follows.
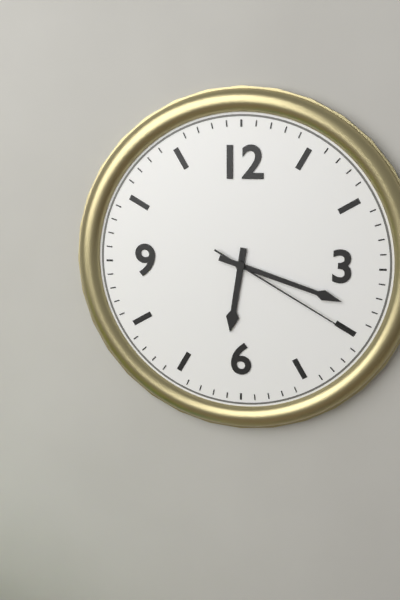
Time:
6h18m20s
